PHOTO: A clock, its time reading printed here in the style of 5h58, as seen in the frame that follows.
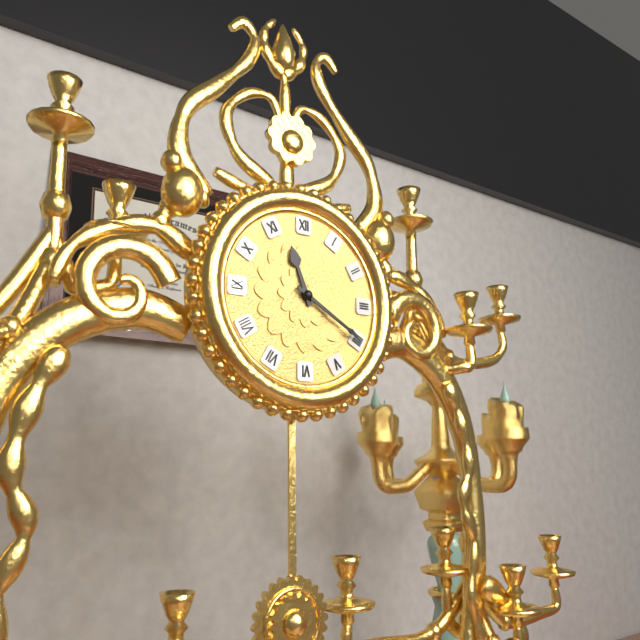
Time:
11h20
